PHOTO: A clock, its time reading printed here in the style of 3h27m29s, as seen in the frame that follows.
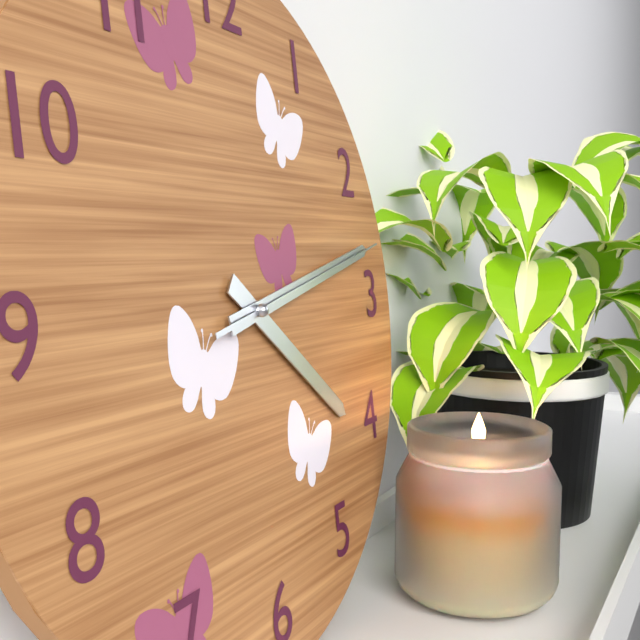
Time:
4h13m13s
